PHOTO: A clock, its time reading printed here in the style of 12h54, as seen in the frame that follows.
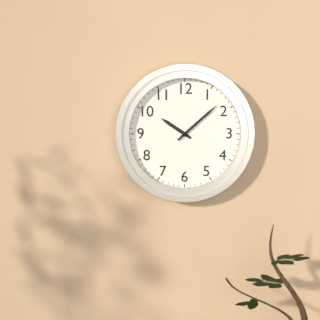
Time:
10h08
